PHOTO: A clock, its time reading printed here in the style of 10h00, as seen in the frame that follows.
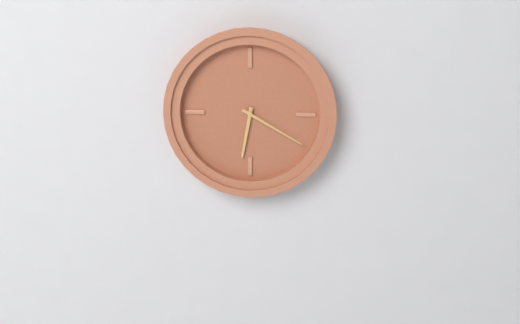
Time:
6h20
